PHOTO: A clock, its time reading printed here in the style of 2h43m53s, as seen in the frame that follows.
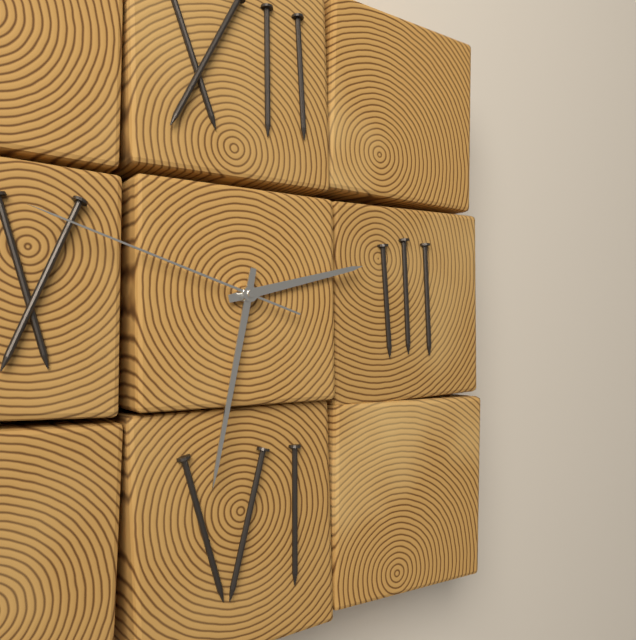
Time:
2h32m48s
